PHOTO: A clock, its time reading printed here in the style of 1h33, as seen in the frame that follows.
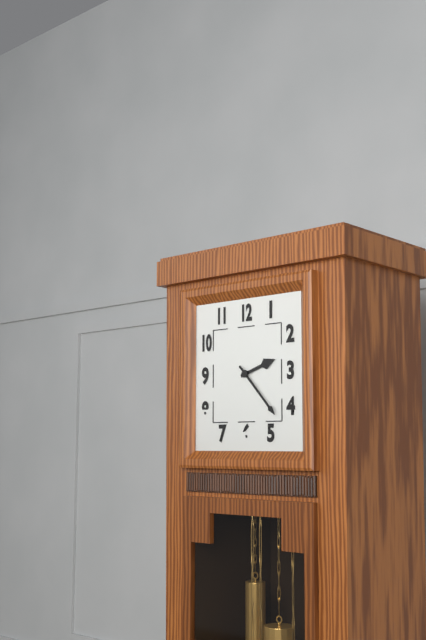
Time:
2h23
